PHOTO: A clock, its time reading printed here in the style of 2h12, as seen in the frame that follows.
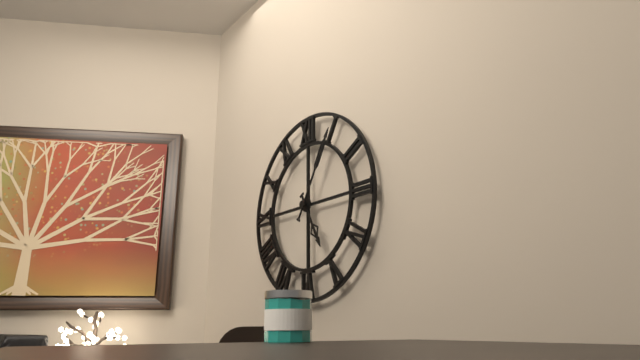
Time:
5h05
